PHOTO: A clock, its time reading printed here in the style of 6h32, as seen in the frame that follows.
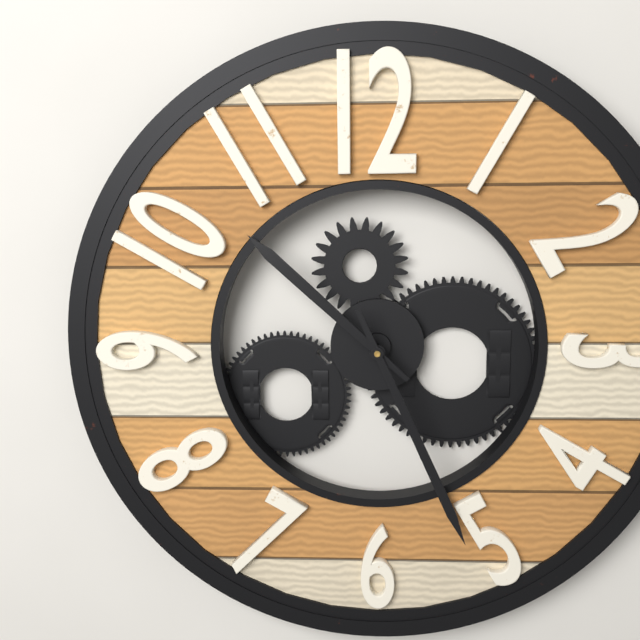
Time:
10h26
